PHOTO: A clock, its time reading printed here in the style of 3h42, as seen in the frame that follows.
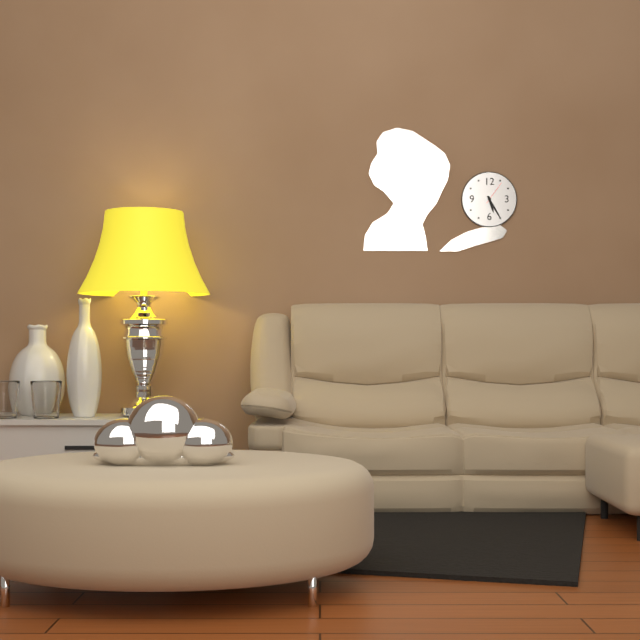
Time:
5h25
